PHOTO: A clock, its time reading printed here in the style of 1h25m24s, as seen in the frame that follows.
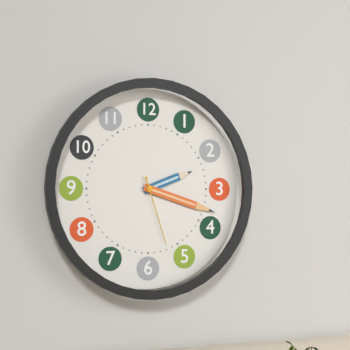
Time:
2h18m27s
